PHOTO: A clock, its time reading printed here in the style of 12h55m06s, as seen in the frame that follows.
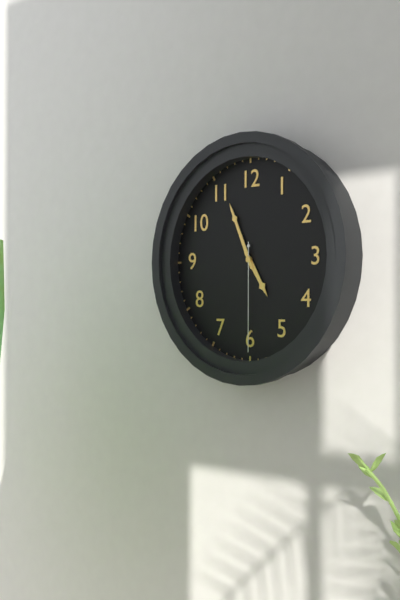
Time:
4h56m30s
